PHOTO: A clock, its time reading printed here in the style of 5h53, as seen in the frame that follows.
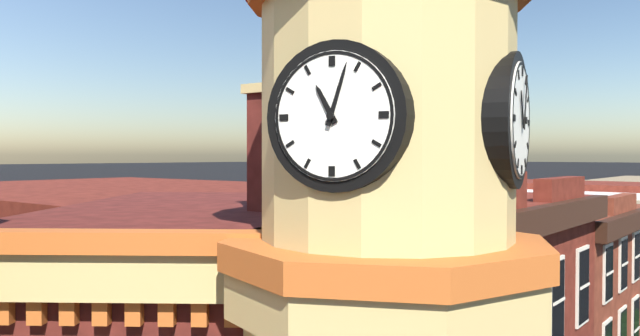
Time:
11h03
